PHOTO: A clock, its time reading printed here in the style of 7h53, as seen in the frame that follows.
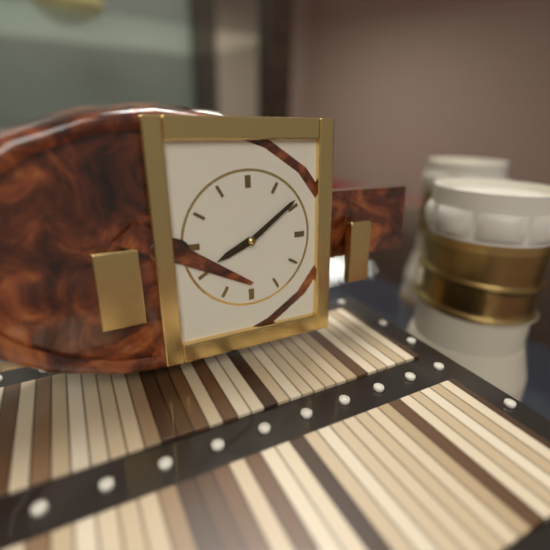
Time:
8h09
